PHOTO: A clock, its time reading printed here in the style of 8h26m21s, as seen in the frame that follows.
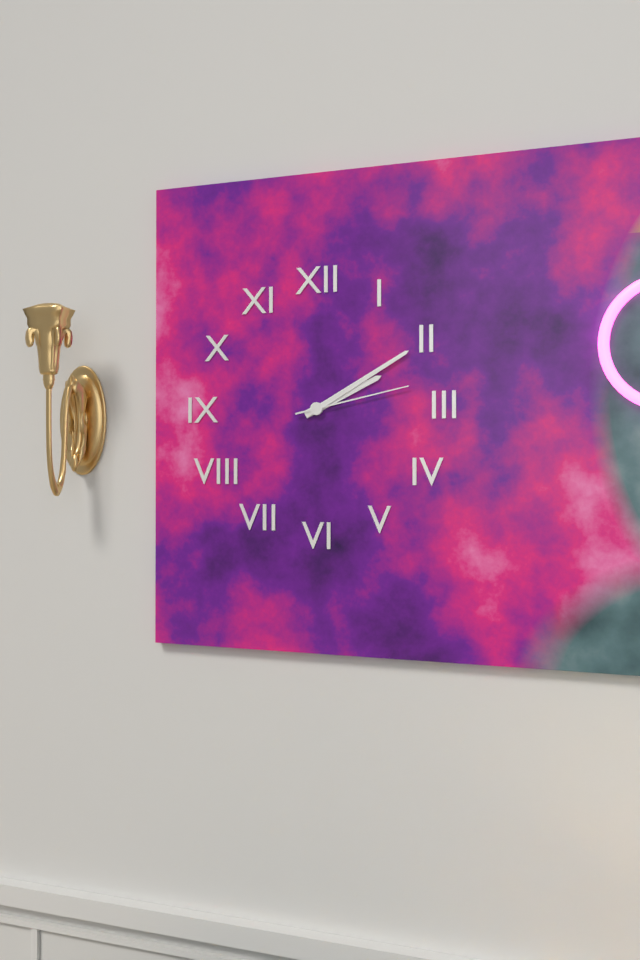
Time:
2h10m13s
